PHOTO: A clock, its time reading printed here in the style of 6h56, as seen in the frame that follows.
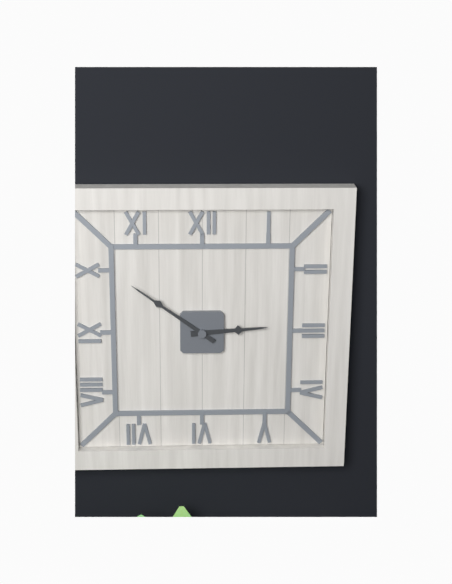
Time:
2h51
